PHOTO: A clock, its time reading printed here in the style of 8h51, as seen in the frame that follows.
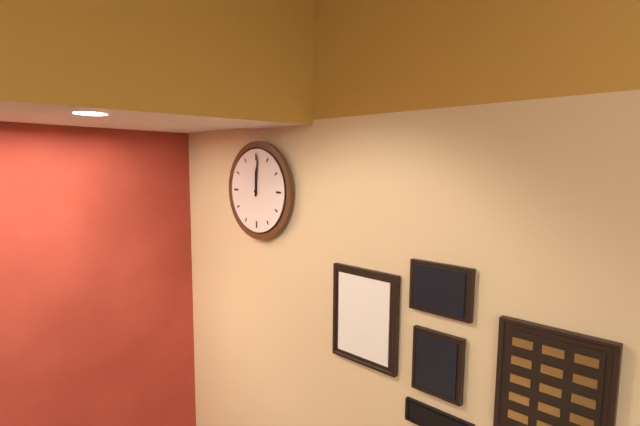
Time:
12h01
